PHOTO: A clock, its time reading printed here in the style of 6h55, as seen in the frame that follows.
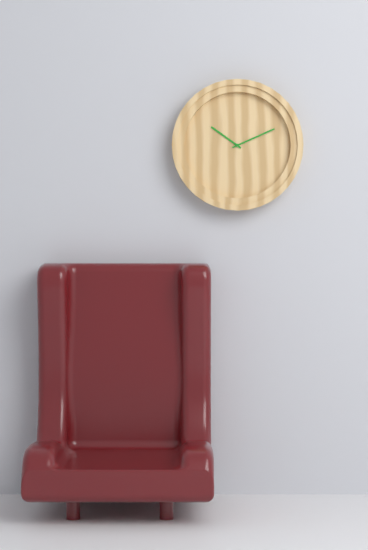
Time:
10h11
